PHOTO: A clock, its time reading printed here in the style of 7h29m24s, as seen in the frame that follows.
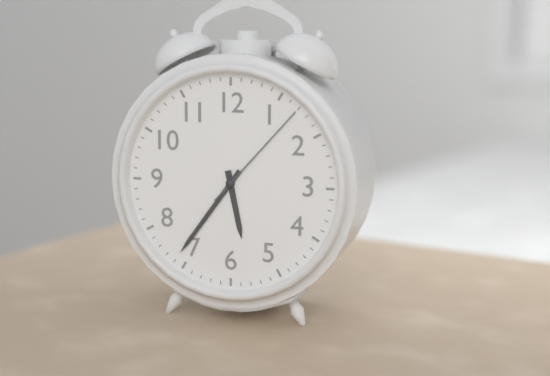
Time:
5h36m07s
